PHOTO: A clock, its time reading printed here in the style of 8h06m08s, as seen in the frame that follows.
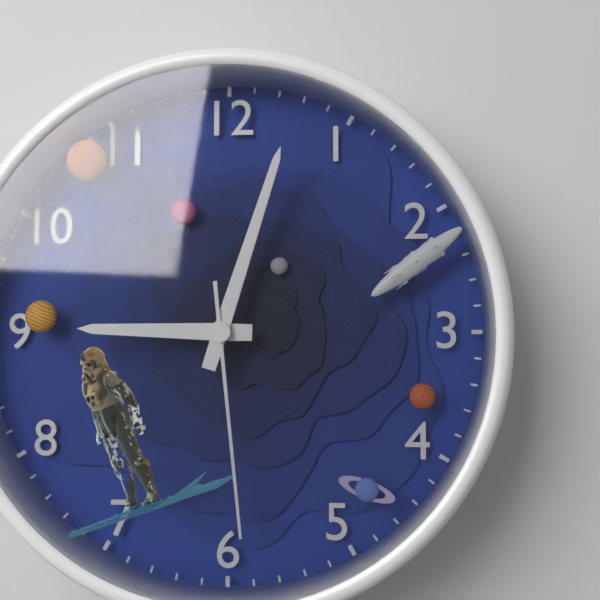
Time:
9h03m29s
